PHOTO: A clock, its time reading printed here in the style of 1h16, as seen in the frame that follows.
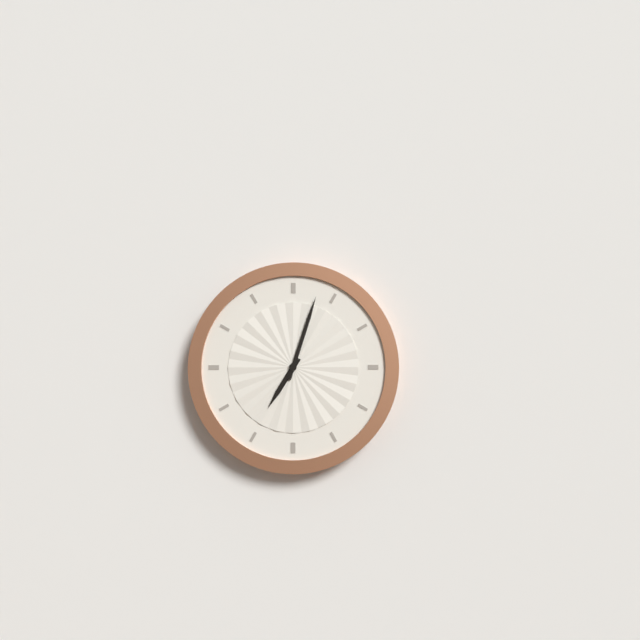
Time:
7h03
